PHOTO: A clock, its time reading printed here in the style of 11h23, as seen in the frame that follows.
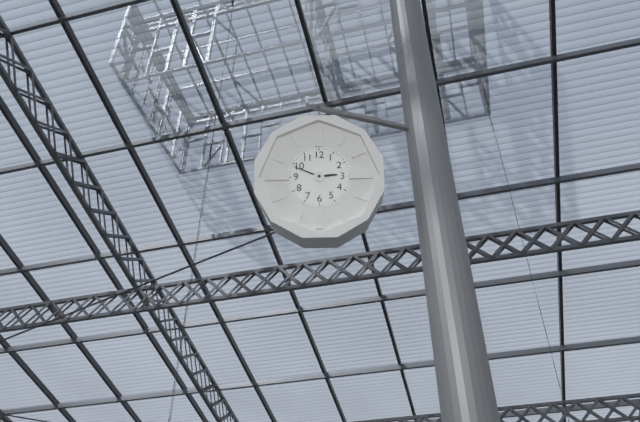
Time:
2h49
